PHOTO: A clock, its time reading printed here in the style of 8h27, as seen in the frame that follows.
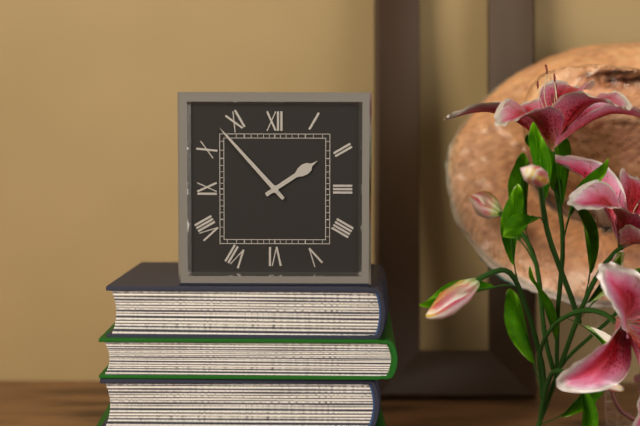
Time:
1h53
